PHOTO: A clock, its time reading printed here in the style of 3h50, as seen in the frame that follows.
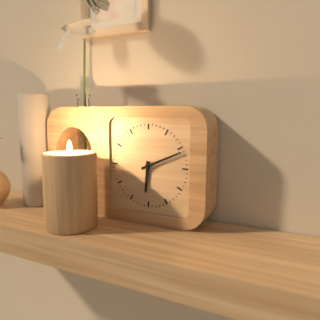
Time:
6h11
